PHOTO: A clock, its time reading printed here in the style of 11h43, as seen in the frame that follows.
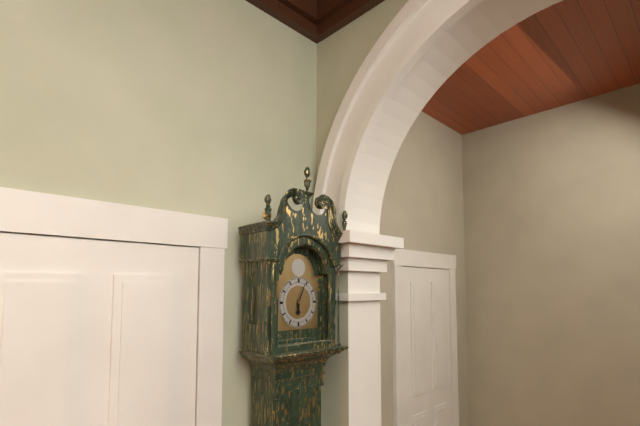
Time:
6h04
